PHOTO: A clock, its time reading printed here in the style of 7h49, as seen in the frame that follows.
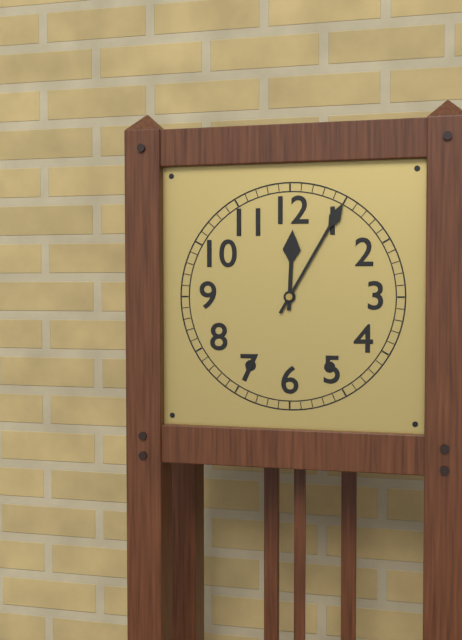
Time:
12h05
